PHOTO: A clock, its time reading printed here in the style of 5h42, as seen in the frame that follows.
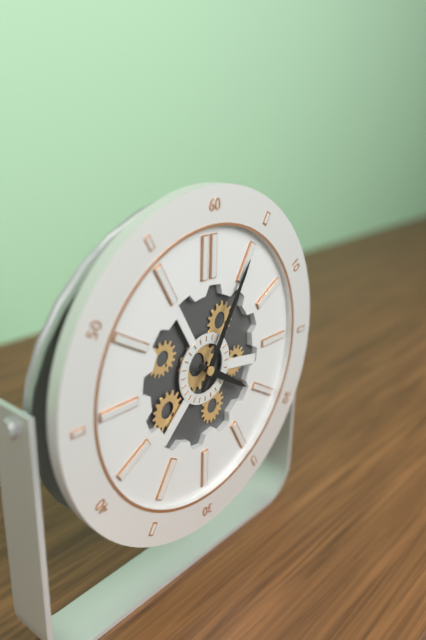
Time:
4h05
